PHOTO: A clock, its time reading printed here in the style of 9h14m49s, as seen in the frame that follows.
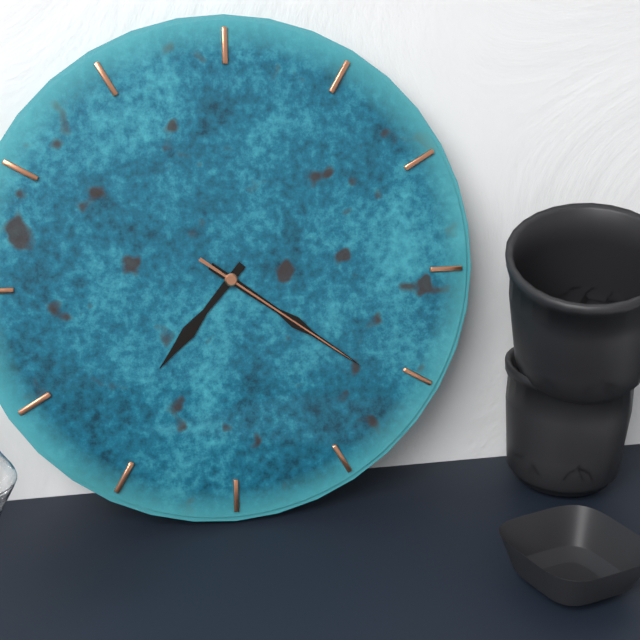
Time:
7h21m21s
